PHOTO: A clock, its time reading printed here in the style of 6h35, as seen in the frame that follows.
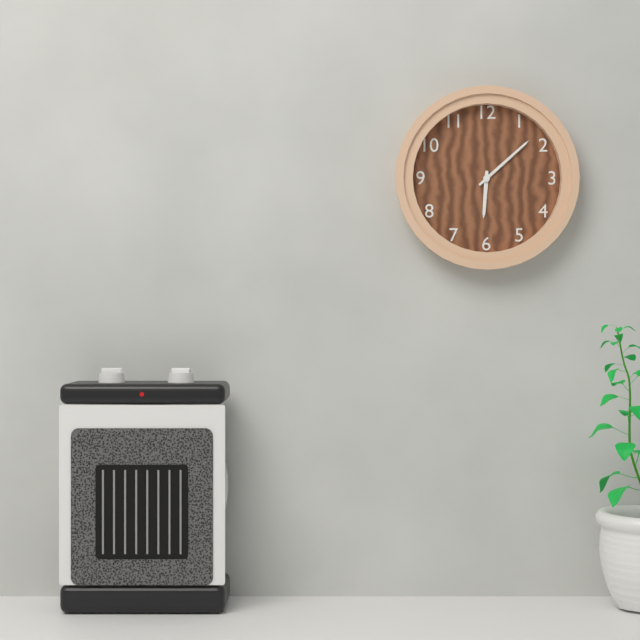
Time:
6h08
